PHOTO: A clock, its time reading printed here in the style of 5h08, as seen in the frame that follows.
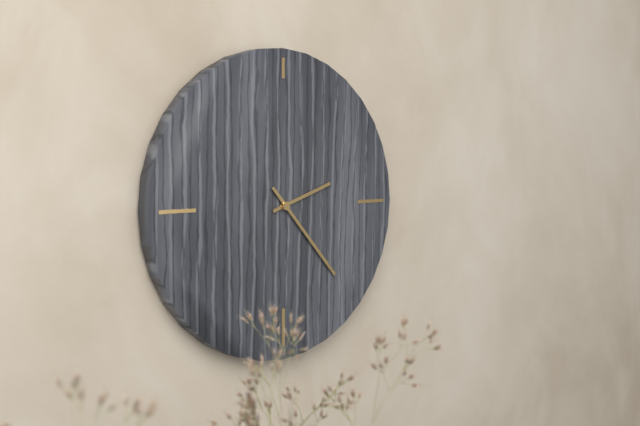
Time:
2h23
